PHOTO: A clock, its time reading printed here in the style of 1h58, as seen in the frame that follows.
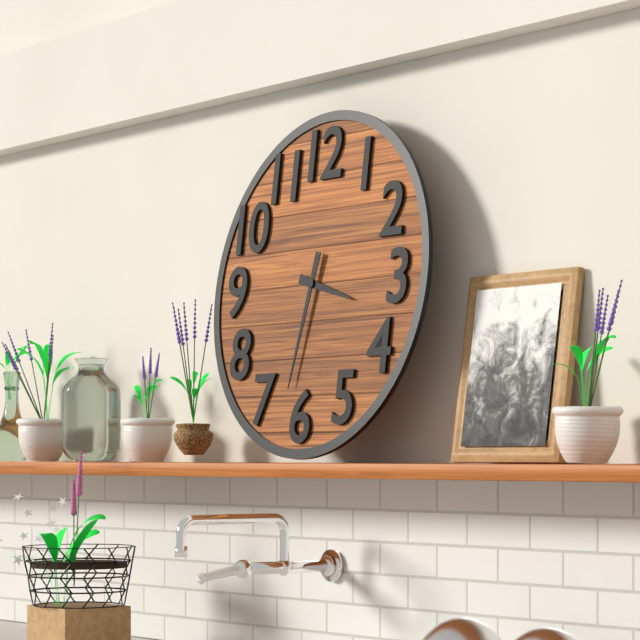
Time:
3h32
